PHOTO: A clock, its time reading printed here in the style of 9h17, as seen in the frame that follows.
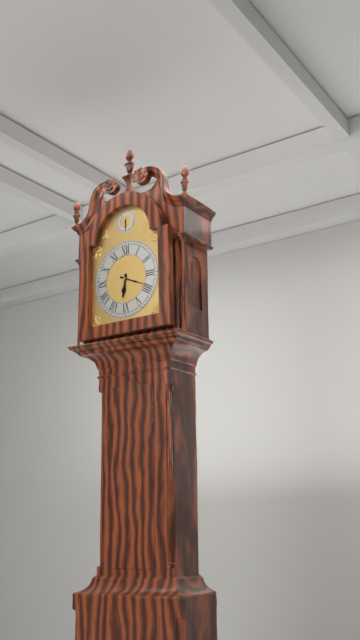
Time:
6h19
